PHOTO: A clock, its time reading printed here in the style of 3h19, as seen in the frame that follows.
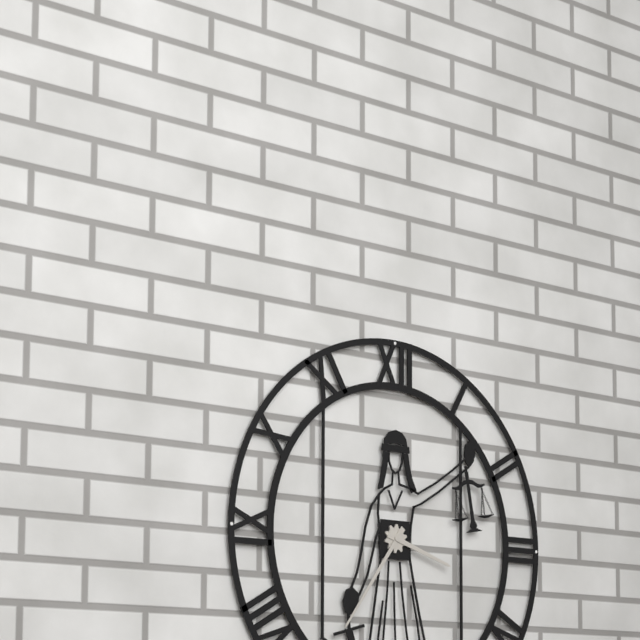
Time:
3h36
